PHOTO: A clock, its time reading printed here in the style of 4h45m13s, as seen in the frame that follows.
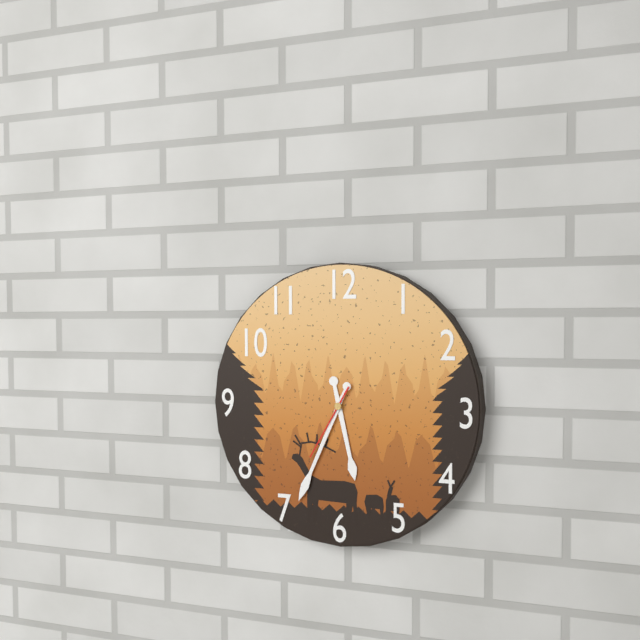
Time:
5h34m35s
